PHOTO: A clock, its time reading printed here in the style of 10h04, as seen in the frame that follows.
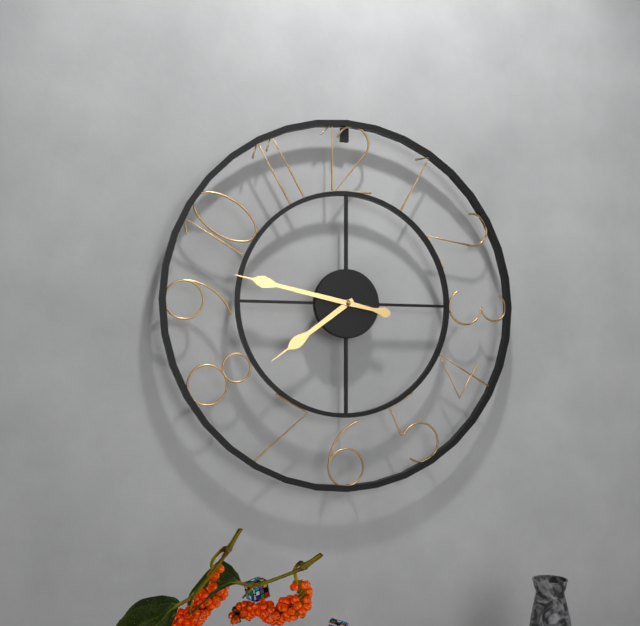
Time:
7h47
